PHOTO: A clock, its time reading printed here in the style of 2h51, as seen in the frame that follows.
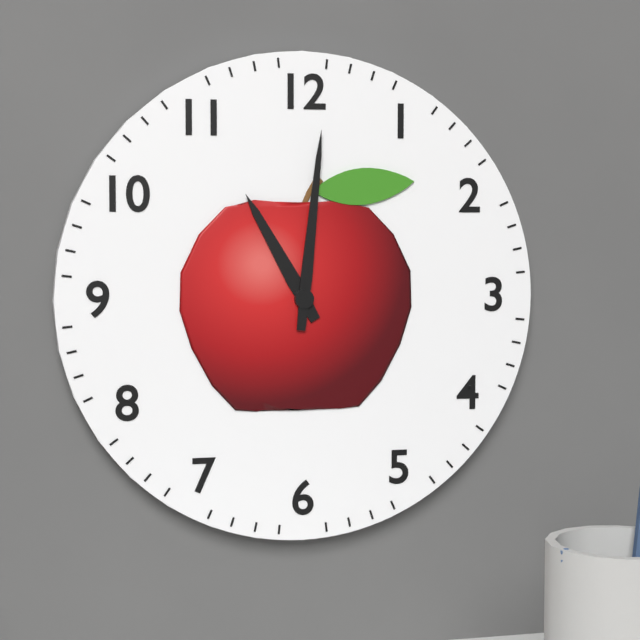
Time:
11h01
